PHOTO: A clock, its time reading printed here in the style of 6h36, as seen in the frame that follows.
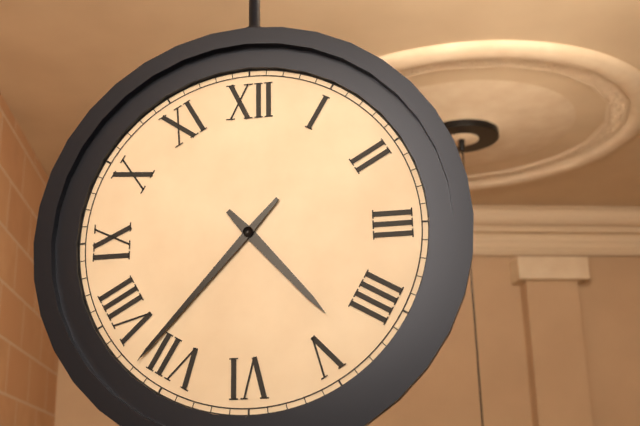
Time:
4h37
